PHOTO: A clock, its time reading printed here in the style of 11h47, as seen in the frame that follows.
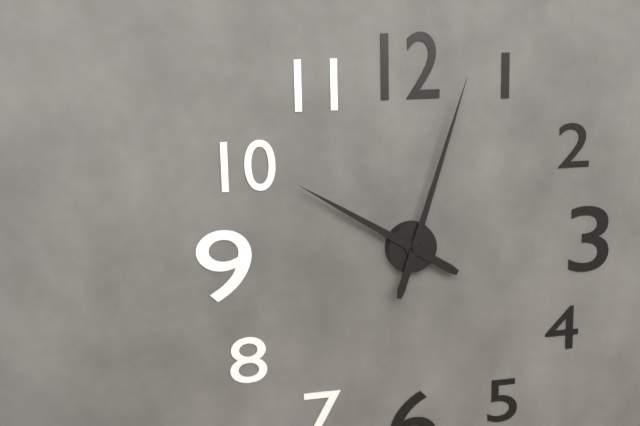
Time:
10h03
